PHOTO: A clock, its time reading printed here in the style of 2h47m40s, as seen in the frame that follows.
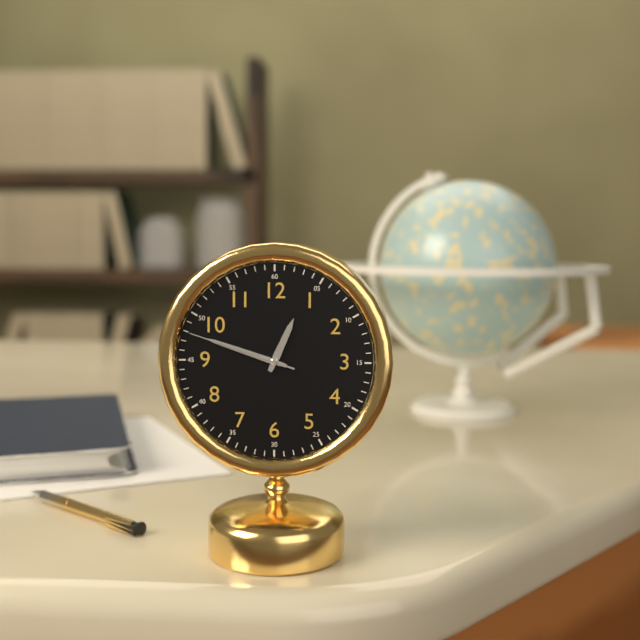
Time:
12h48m48s
